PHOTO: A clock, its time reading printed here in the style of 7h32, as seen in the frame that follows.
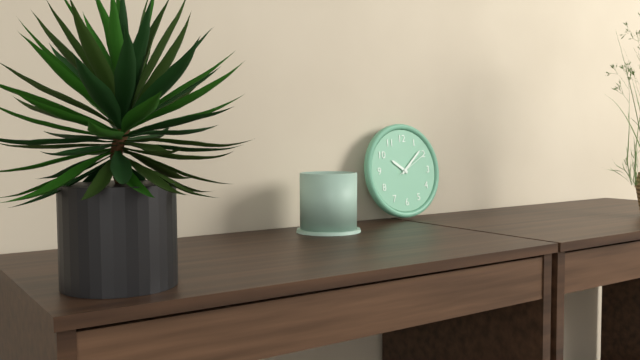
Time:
10h08
